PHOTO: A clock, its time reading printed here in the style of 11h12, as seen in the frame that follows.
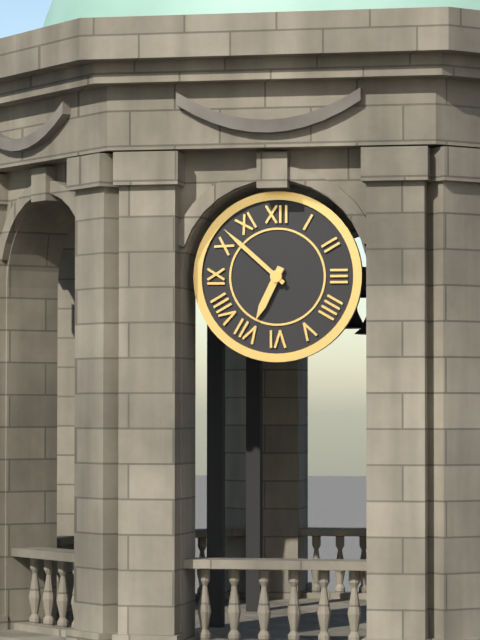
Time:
6h52
